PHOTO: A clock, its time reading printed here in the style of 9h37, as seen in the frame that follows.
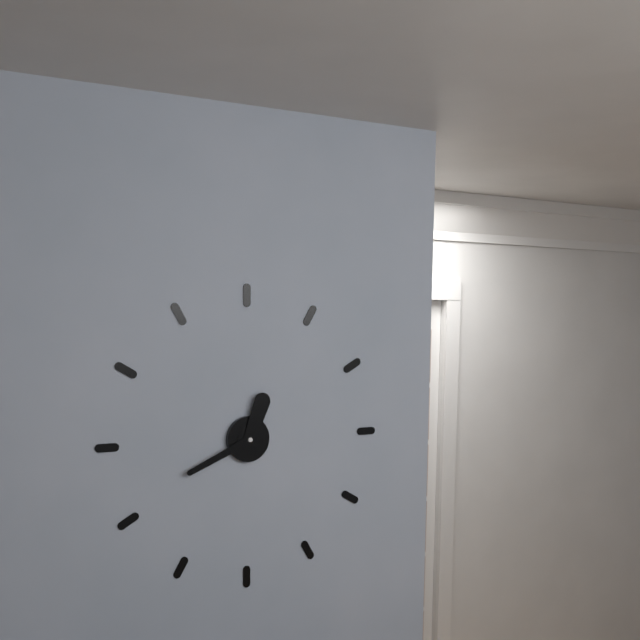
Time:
12h41
